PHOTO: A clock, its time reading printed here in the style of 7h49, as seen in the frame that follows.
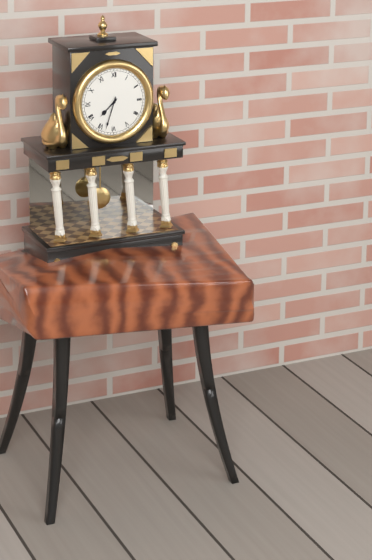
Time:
7h33
